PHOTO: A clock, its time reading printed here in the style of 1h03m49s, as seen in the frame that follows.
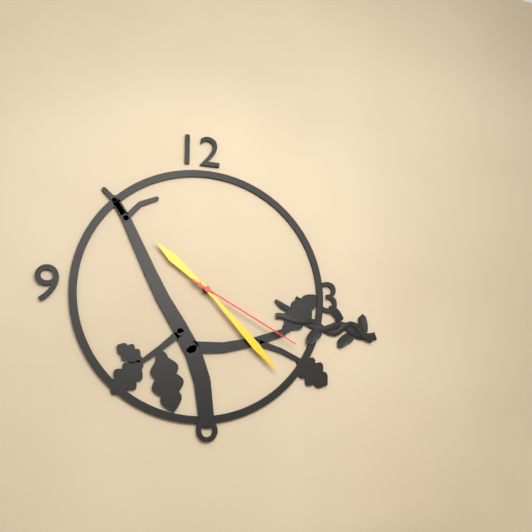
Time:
10h23m20s
